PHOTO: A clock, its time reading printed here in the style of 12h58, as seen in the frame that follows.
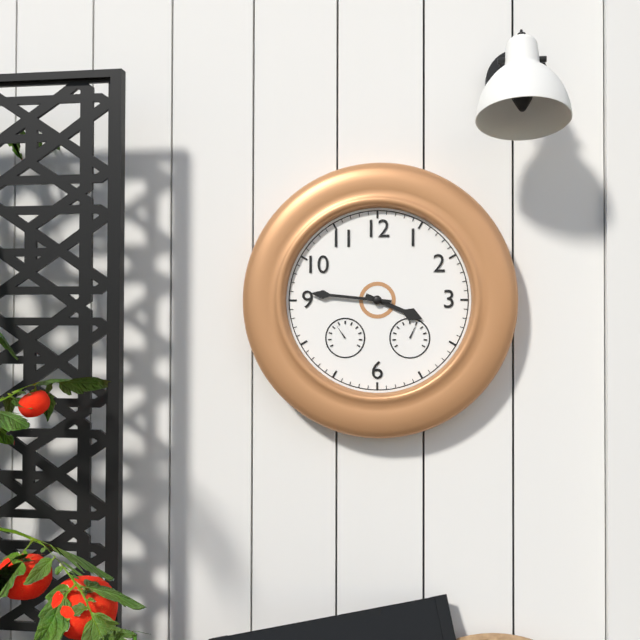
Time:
3h46
